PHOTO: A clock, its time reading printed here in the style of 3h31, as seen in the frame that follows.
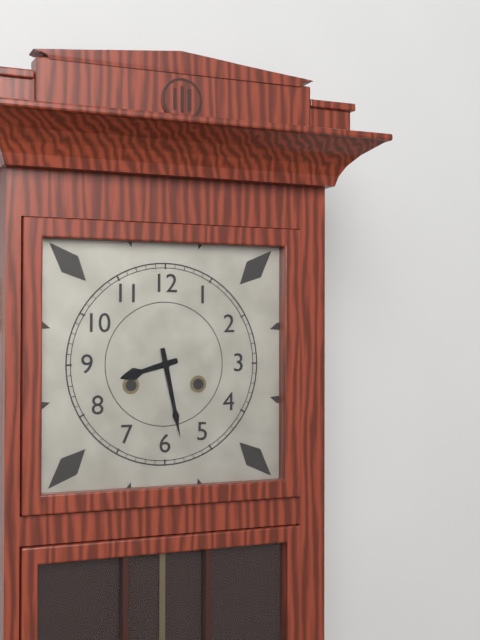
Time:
8h28
